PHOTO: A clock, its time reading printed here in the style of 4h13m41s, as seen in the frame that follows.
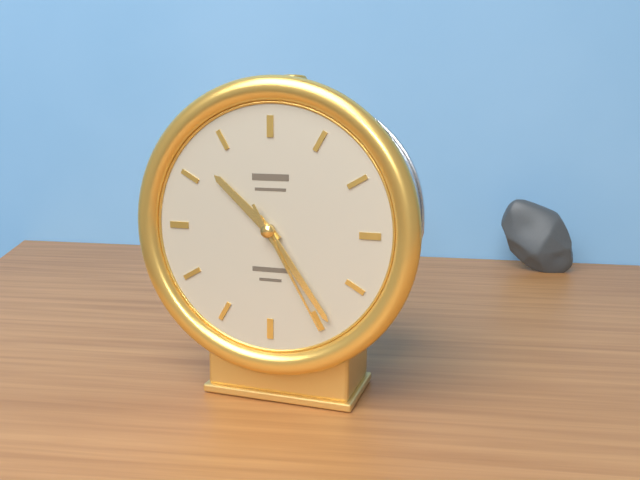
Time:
10h24m25s
